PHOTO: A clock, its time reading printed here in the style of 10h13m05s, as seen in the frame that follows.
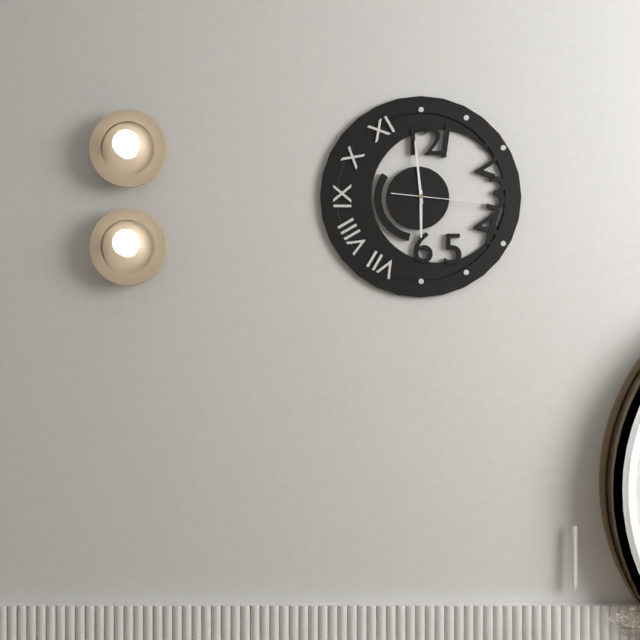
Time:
5h59m16s
